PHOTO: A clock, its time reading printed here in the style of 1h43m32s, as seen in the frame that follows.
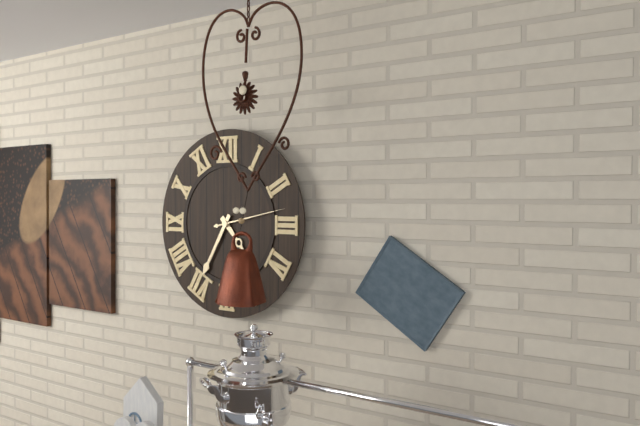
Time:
4h35m13s
